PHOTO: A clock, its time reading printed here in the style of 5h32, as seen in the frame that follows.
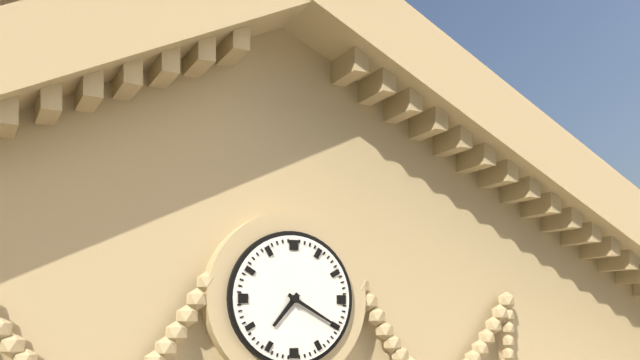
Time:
7h20
